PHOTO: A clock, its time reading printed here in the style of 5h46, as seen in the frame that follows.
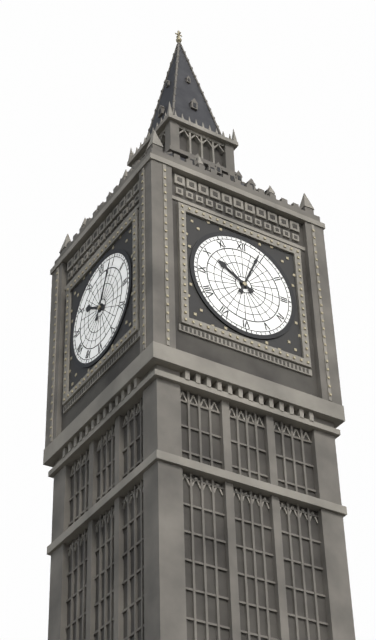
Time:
10h04
